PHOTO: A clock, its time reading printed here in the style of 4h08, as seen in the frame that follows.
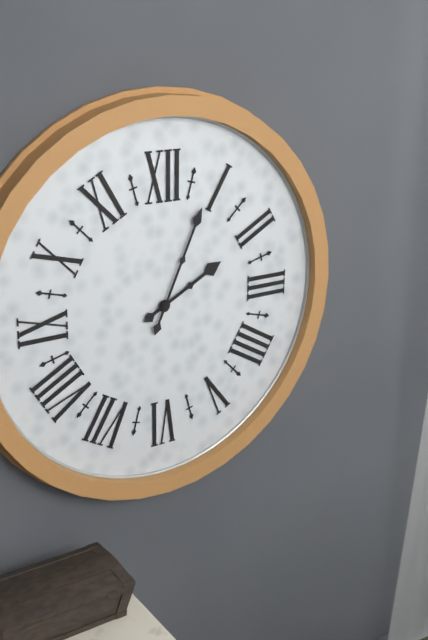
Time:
2h04
